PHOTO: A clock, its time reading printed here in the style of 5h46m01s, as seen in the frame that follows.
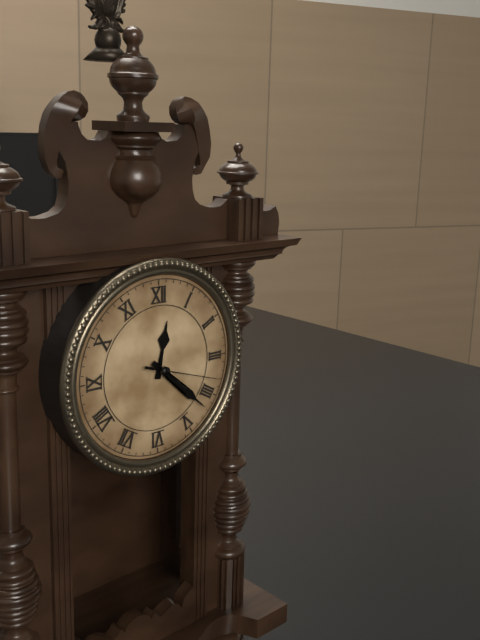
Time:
12h22m18s
